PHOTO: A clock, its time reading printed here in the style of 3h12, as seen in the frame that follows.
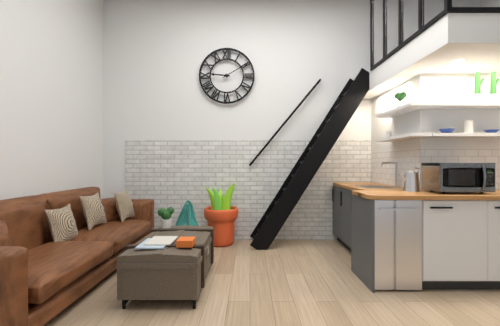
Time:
9h10
